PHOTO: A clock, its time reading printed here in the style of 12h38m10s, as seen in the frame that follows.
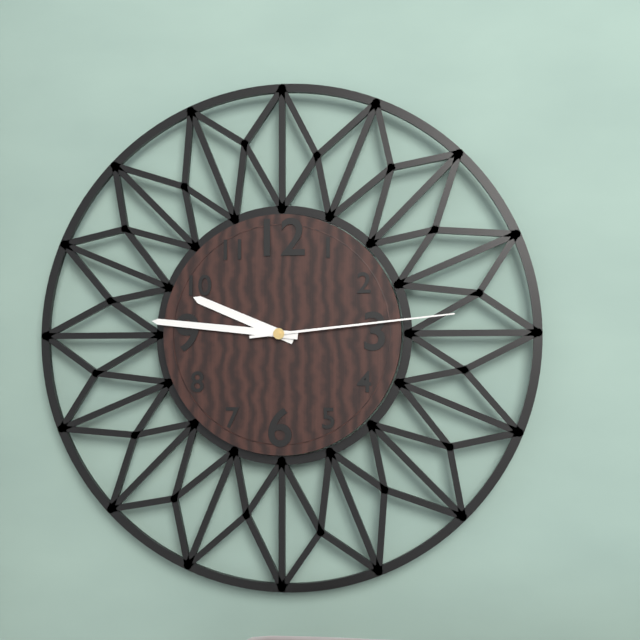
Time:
9h46m14s
